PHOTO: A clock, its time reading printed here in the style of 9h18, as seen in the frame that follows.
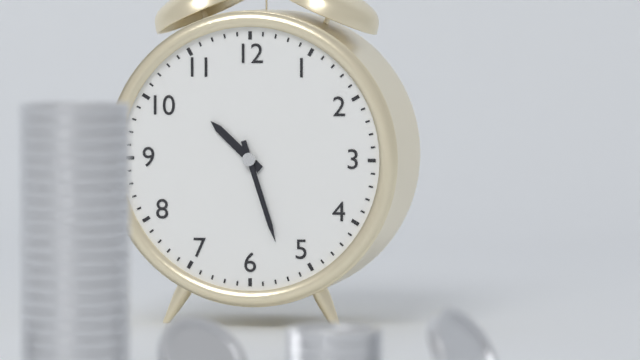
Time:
10h27
